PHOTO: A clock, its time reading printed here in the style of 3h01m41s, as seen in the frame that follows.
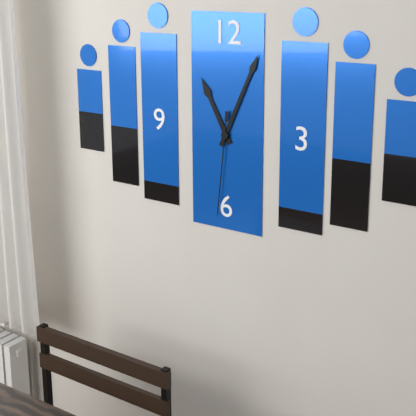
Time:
11h04m31s
